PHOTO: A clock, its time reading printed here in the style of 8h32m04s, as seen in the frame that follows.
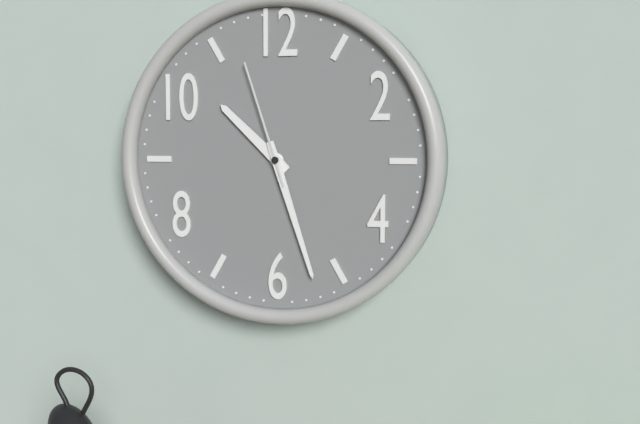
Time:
10h27m57s
